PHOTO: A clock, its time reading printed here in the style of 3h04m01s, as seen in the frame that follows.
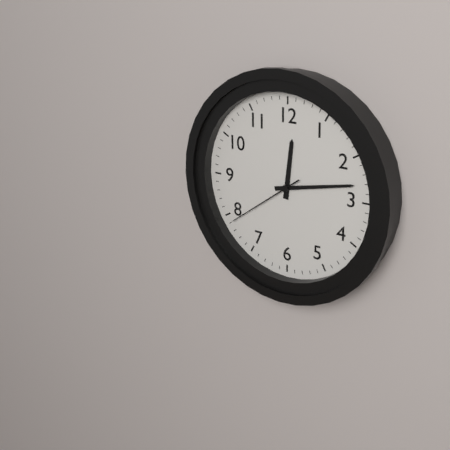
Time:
12h13m39s
